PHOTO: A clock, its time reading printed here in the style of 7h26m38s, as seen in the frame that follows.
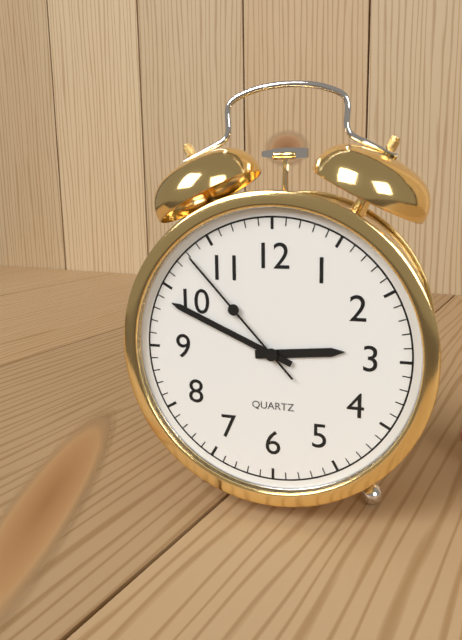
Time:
2h49m53s
